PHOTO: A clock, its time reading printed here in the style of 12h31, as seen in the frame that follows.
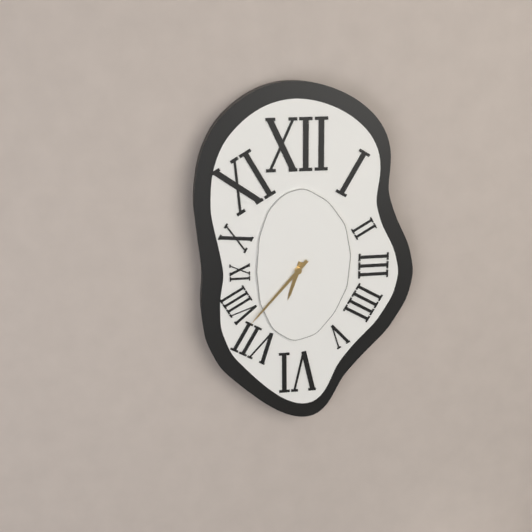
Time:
6h37
